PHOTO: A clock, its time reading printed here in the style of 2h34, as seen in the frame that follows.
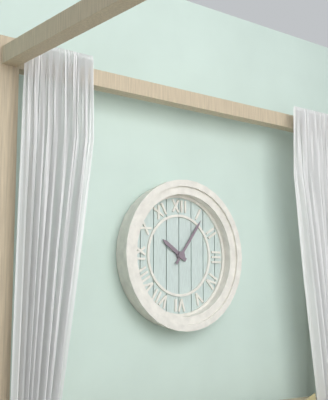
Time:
10h06
